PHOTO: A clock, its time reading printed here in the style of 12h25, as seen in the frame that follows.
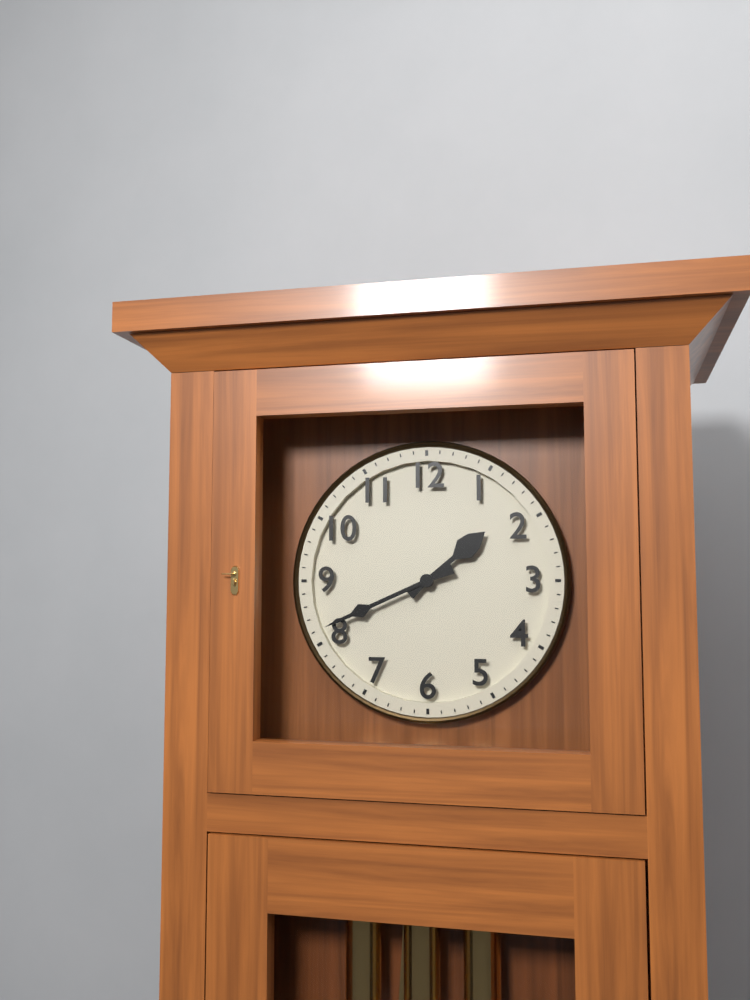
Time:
1h41
